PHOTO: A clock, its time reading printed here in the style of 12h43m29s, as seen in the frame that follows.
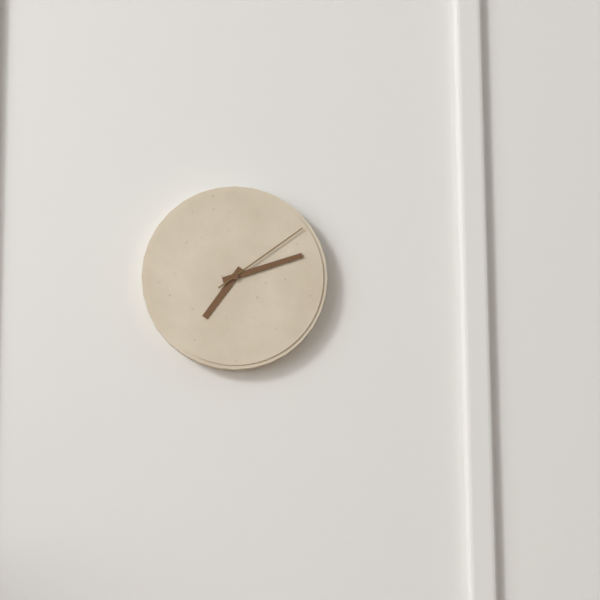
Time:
7h12m09s
